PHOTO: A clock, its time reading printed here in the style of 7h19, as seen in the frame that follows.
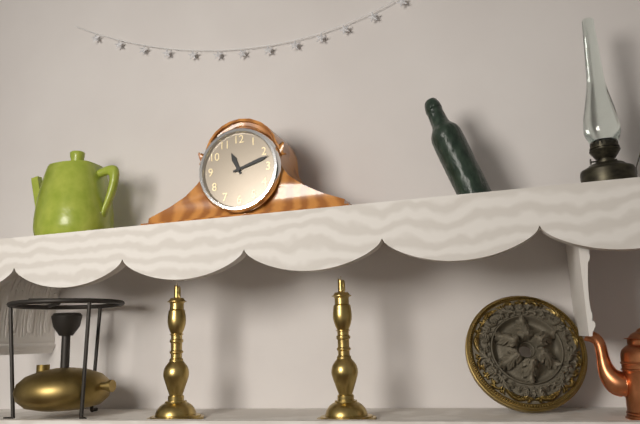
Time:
11h12
